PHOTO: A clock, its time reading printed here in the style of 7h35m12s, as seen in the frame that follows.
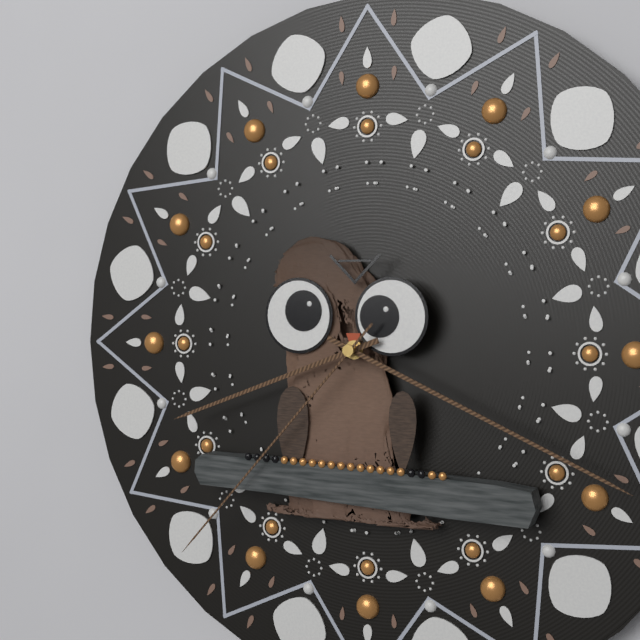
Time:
8h19m37s
